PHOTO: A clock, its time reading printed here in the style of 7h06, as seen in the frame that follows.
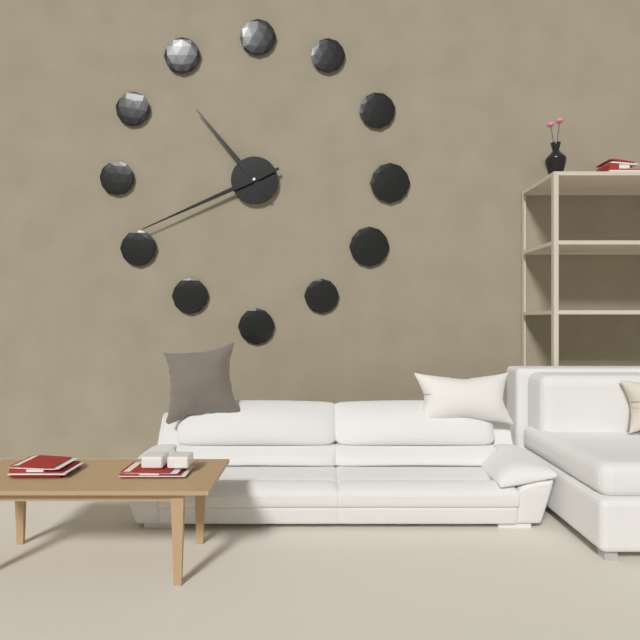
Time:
10h41
